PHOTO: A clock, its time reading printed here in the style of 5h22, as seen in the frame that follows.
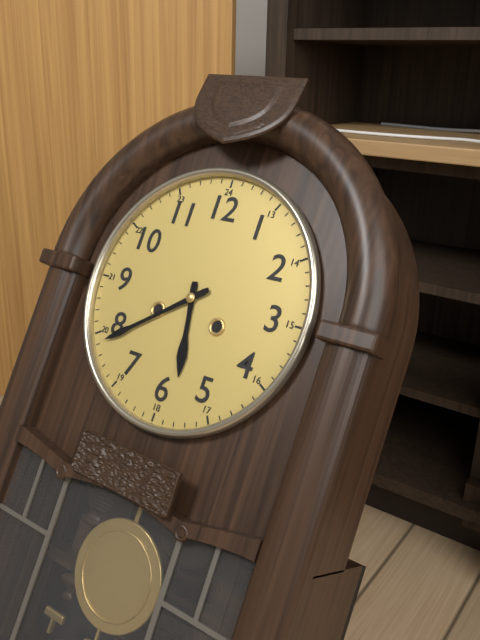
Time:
5h39
